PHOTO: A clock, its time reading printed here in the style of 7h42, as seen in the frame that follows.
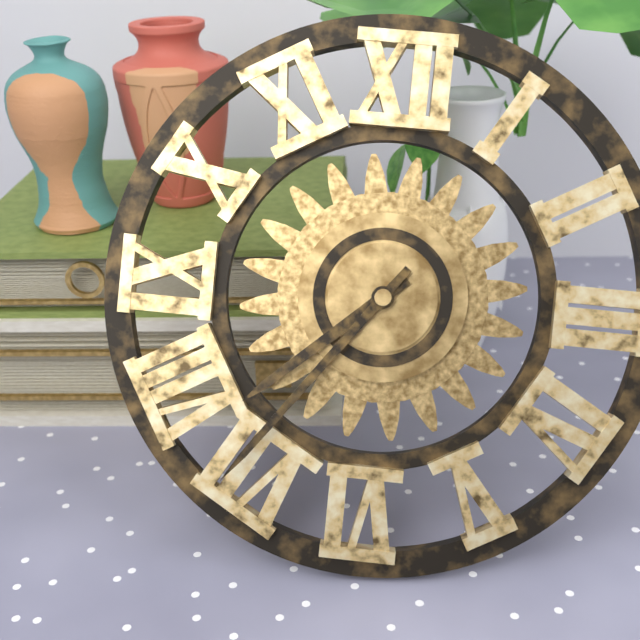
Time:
7h36
